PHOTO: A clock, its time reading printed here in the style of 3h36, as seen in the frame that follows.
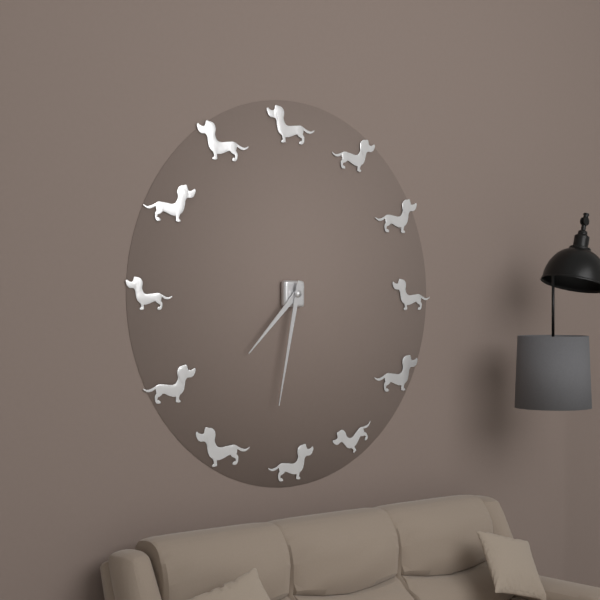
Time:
7h32
